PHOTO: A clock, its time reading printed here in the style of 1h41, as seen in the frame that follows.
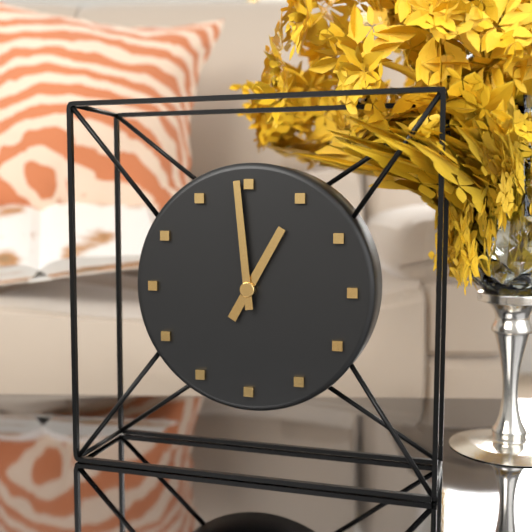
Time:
12h59
